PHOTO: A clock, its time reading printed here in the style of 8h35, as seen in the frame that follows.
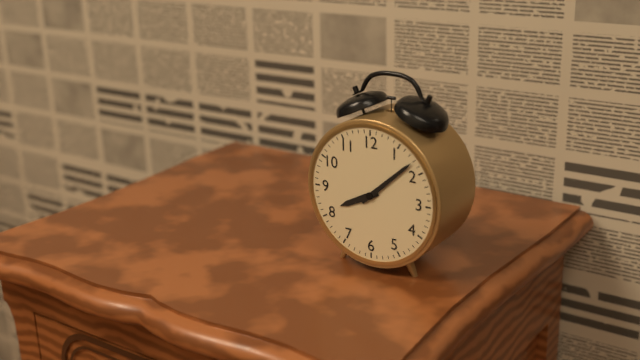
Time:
8h08
